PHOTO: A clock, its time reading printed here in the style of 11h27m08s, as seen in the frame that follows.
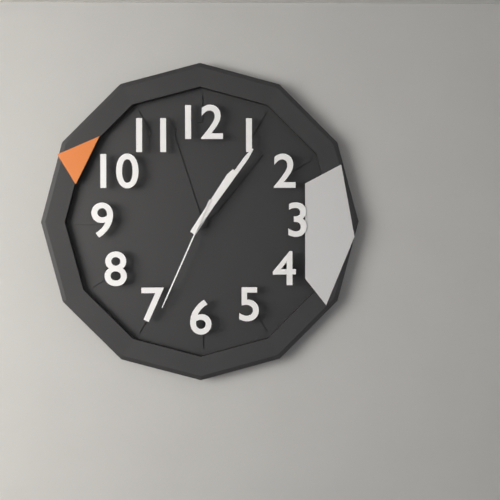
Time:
1h06m34s
